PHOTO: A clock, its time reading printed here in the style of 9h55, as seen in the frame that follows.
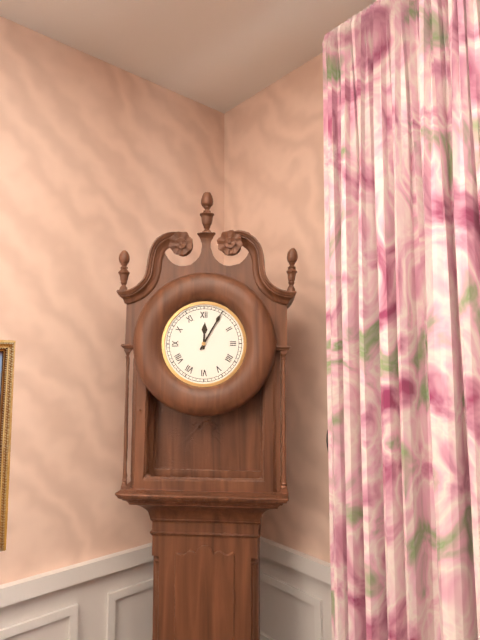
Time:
12h05
